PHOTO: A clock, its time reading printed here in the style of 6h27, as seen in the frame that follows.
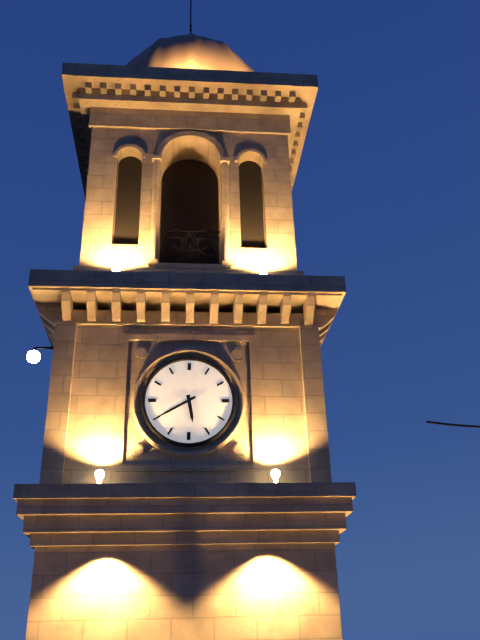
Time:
5h40
